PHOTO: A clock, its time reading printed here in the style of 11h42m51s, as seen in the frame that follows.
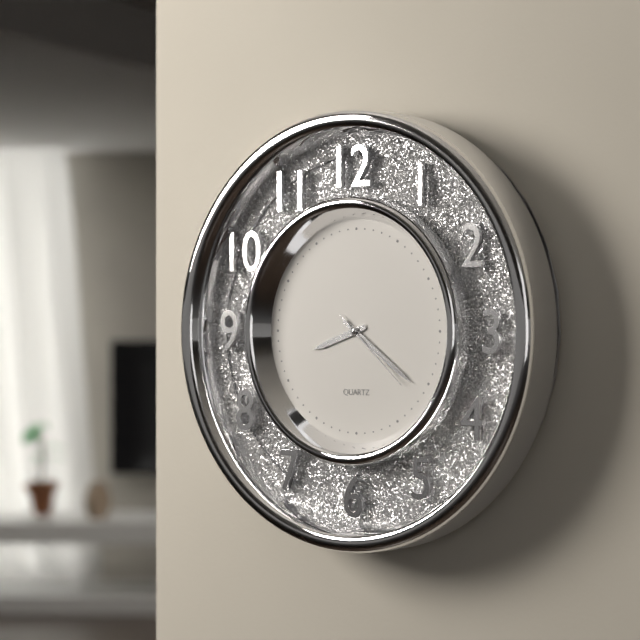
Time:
8h21m22s
